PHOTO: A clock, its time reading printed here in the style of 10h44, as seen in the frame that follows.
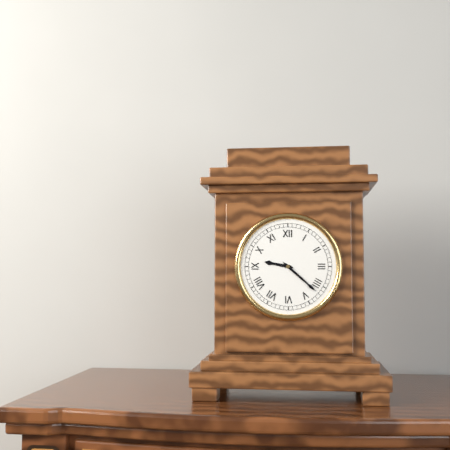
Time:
9h22
